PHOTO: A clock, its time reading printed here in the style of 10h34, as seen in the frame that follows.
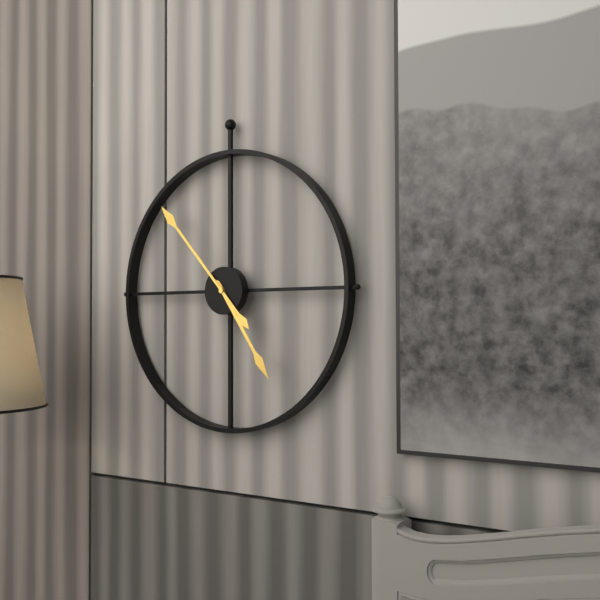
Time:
4h53
